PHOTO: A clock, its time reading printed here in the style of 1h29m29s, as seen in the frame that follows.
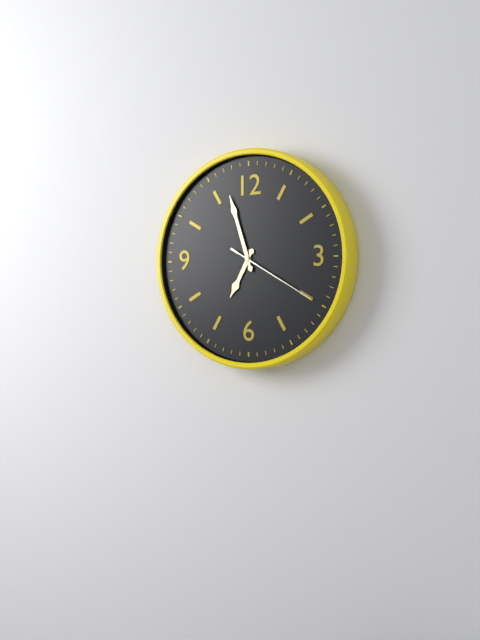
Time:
6h57m20s
